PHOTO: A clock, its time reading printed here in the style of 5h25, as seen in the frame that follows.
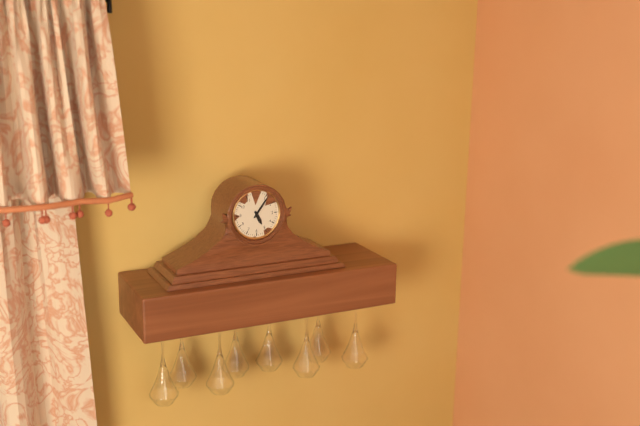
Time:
5h06
